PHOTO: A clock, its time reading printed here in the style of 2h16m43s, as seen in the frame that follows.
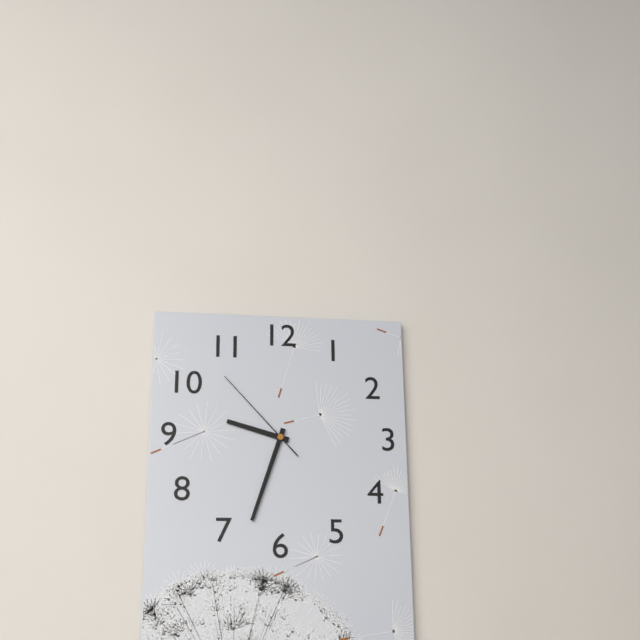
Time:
9h33m53s
